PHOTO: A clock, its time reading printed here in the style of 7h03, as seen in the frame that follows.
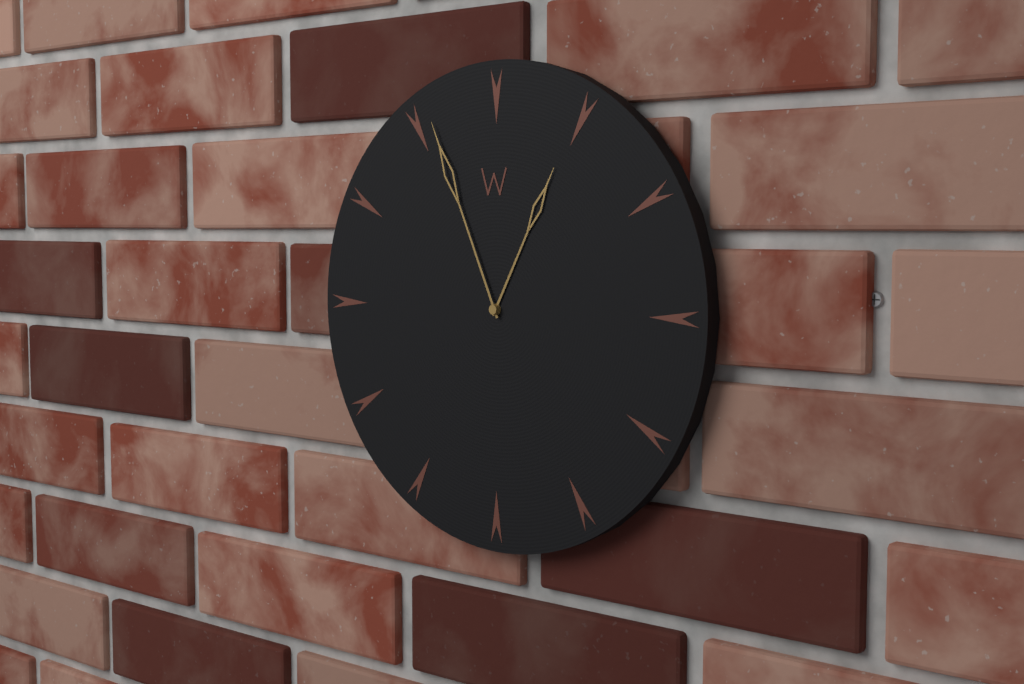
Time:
12h56
